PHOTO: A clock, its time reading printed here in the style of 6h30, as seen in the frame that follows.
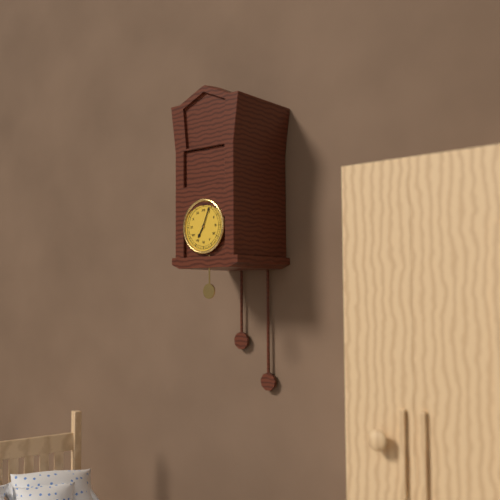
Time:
7h04
